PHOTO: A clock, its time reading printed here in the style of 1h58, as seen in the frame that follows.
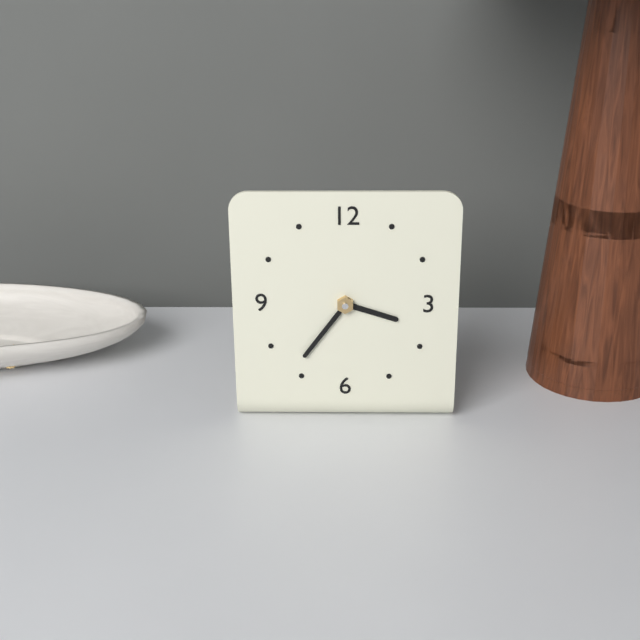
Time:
3h36
